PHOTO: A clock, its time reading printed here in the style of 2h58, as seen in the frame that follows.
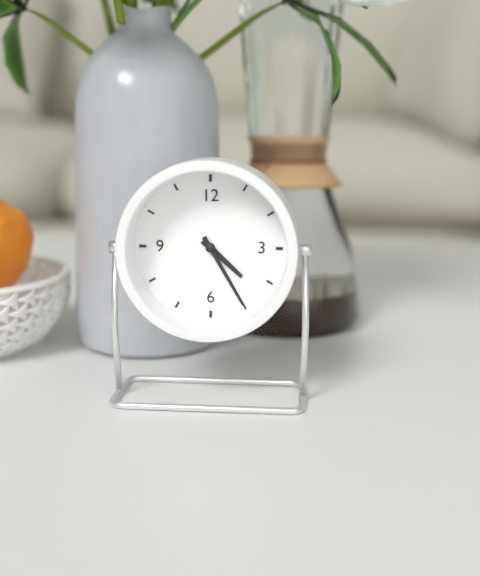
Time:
4h25
